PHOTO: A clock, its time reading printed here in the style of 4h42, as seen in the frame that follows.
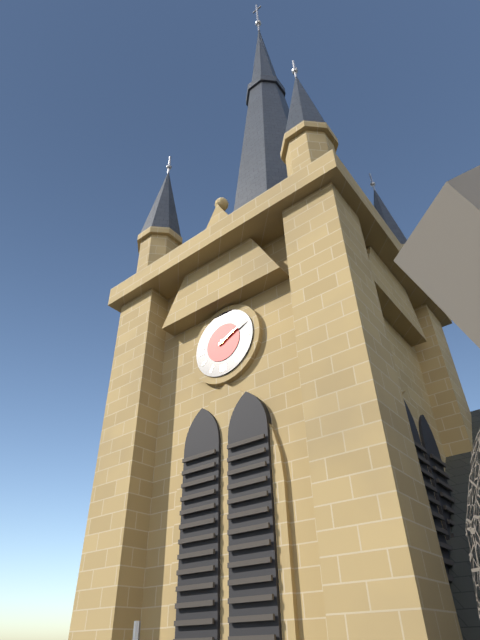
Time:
2h11
